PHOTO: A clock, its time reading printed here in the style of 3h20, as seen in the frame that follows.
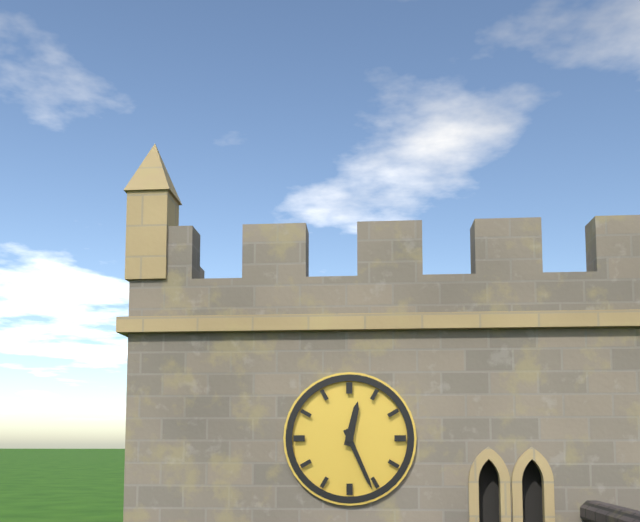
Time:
12h26
